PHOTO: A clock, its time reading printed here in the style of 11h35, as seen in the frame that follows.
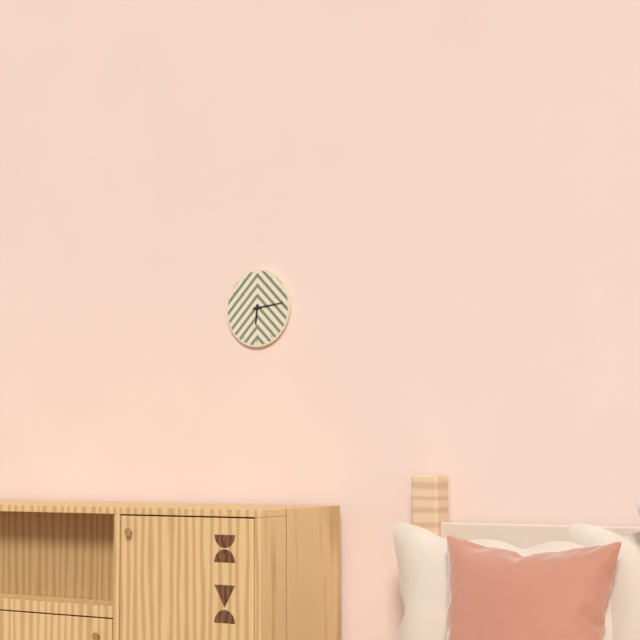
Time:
6h14
